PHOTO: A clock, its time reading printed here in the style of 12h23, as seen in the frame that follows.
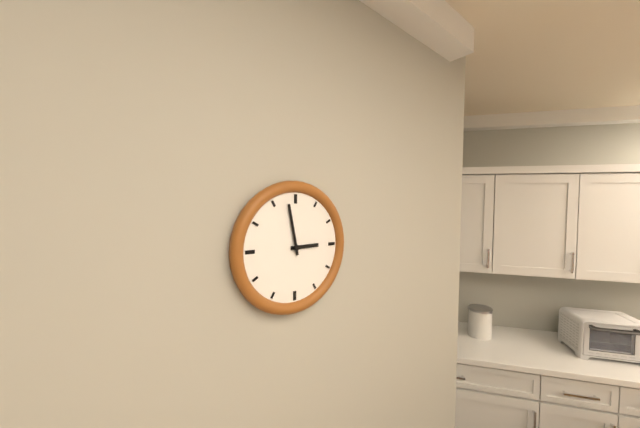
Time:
2h58
